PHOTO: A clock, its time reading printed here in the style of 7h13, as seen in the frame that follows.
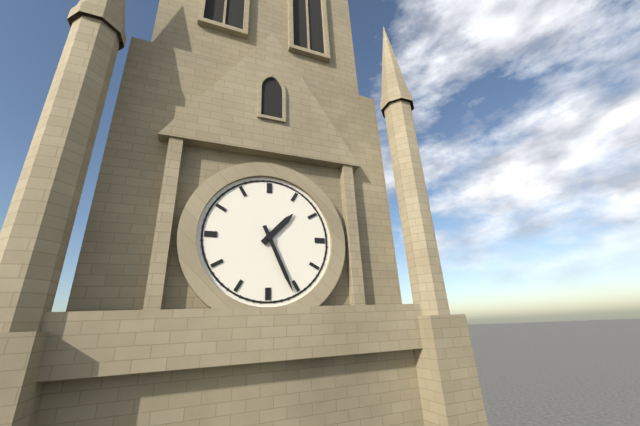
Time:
1h26
